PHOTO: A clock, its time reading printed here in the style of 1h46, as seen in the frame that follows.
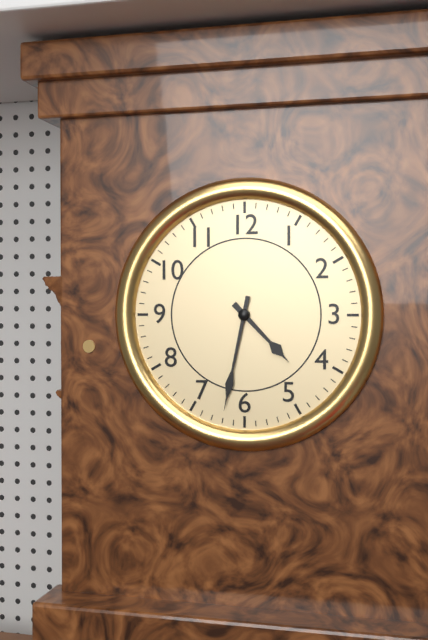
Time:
4h32
